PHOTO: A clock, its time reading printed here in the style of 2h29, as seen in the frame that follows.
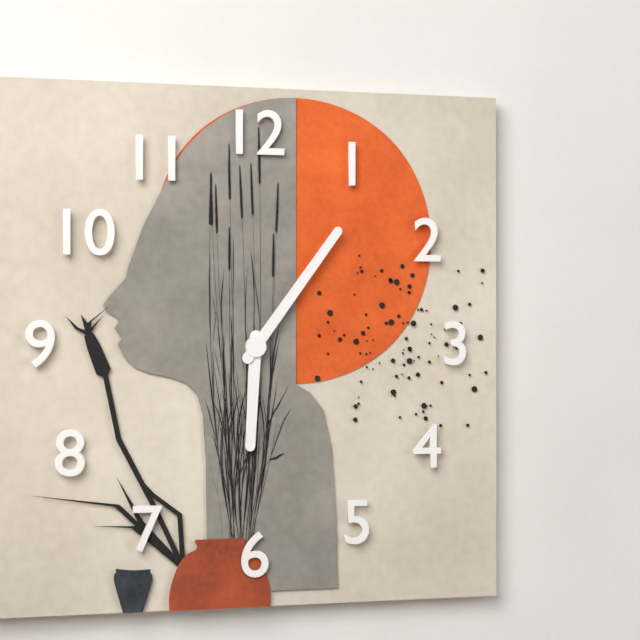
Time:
6h06
